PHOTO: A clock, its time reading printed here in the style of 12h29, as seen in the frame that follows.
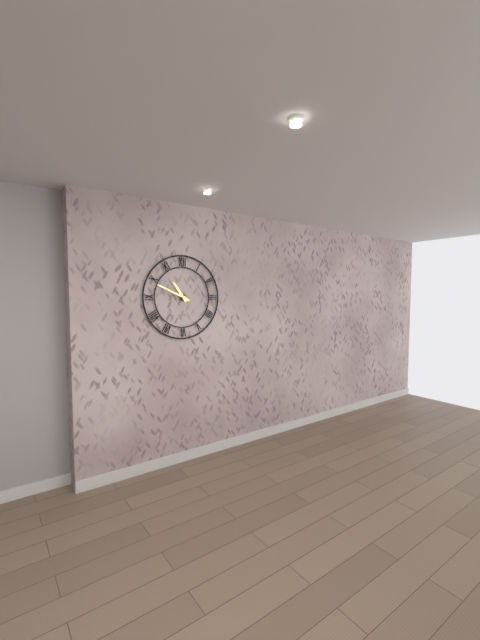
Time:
10h49
